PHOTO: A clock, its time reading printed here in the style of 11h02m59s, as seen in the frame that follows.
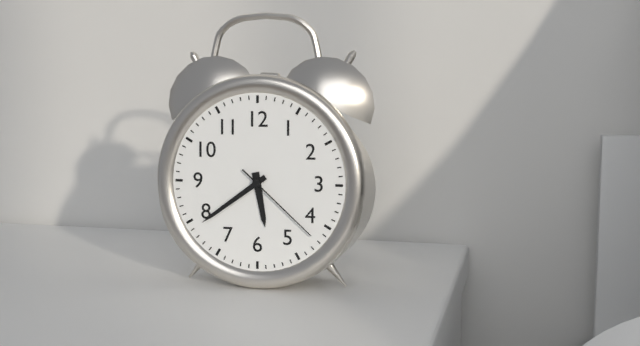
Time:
5h39m22s
